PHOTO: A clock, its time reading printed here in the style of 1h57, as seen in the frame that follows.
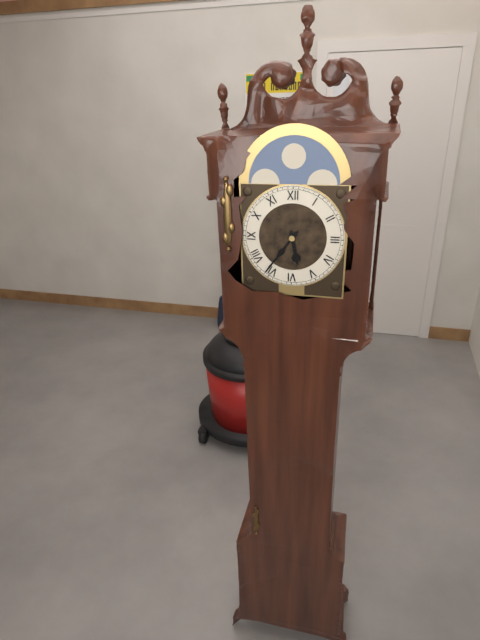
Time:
5h36
